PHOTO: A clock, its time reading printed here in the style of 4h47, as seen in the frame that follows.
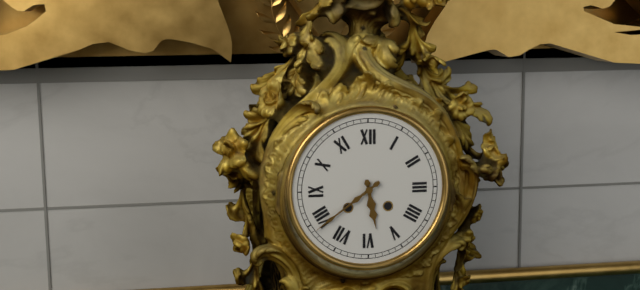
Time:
5h39
